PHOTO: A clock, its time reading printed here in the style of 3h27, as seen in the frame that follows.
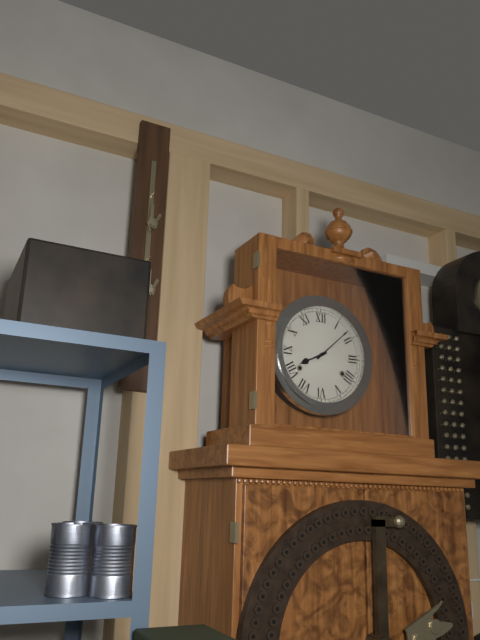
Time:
8h08
